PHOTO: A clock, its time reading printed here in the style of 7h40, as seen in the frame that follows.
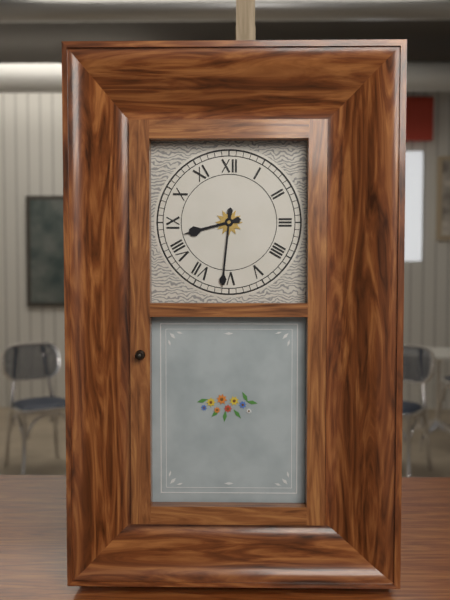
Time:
8h31
